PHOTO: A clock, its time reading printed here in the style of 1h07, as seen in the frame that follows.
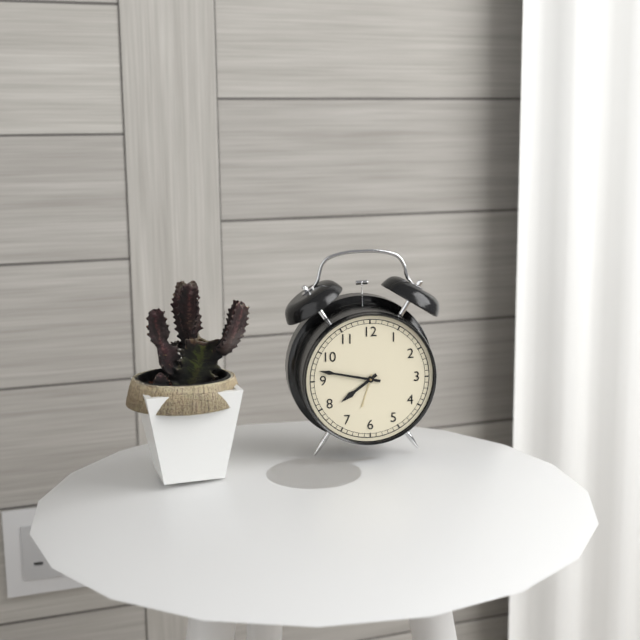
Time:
7h47
